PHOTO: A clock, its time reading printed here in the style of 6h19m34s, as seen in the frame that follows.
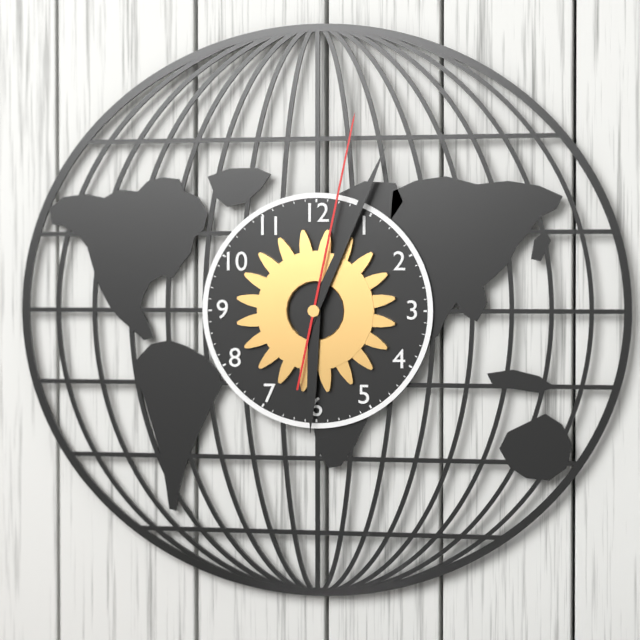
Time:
6h04m02s
